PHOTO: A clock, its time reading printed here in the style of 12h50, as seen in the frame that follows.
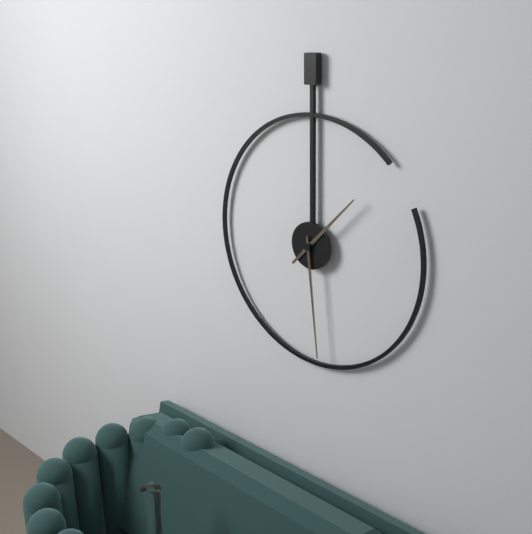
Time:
1h29
